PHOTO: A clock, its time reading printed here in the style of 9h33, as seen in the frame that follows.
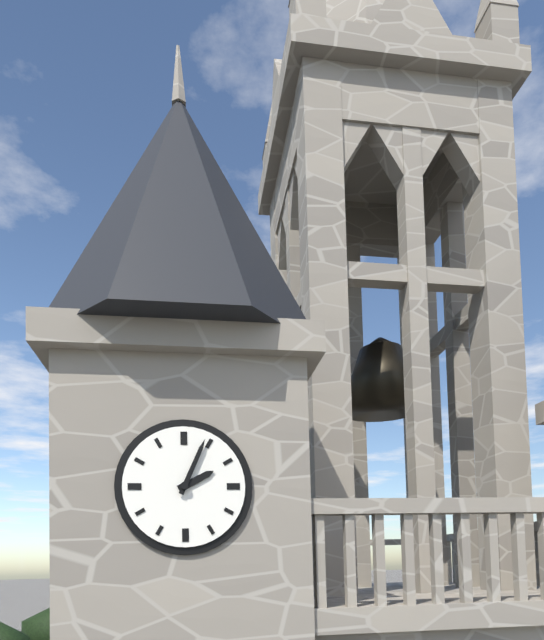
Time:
2h04
